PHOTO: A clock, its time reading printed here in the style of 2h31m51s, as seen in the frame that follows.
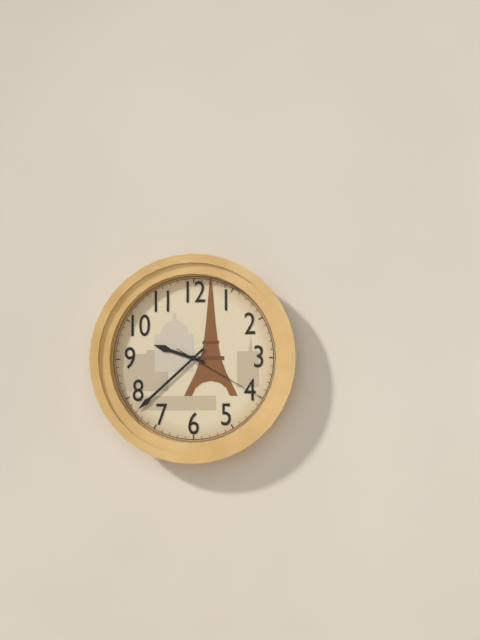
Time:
9h38m20s
